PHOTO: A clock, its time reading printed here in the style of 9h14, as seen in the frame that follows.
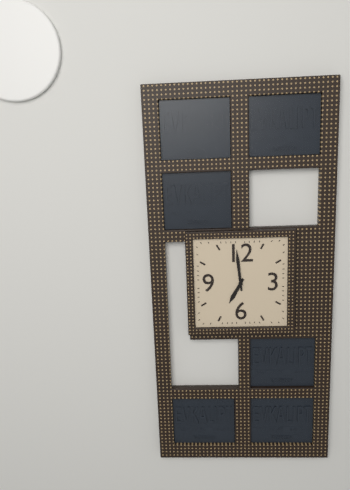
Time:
6h59
